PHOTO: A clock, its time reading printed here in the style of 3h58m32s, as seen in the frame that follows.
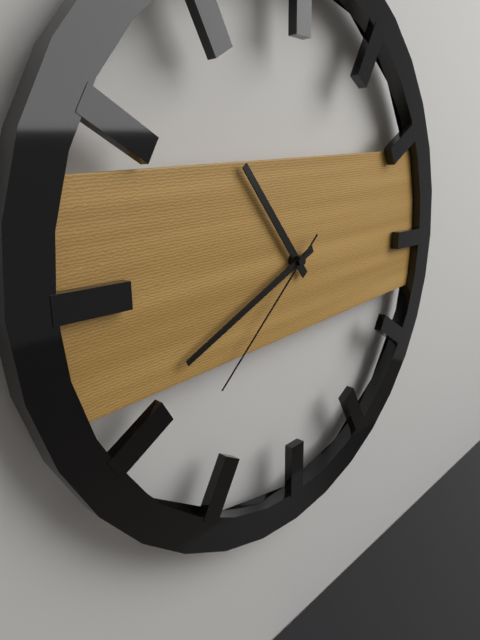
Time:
10h41m38s
